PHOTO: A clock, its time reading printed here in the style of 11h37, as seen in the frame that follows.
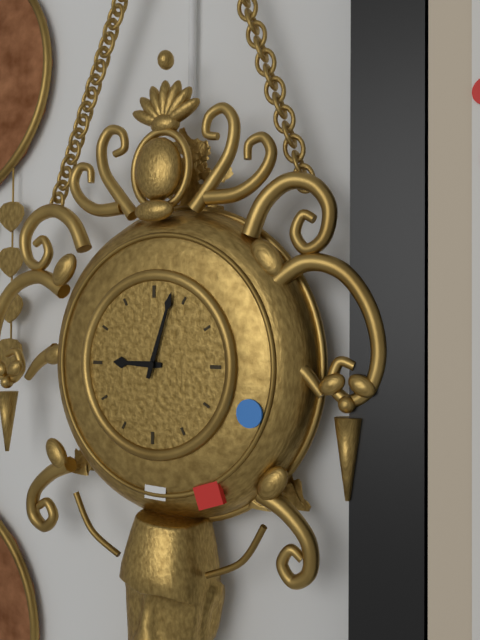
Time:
9h03
